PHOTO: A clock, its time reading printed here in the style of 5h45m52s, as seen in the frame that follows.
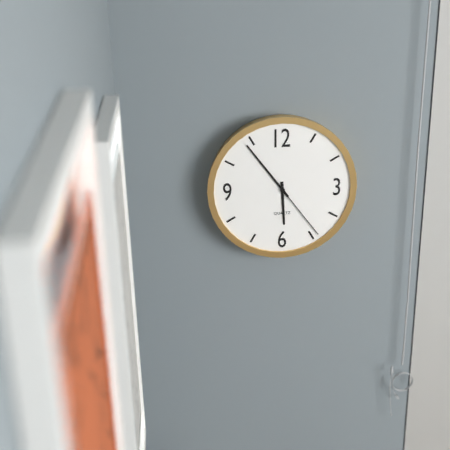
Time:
5h54m24s
